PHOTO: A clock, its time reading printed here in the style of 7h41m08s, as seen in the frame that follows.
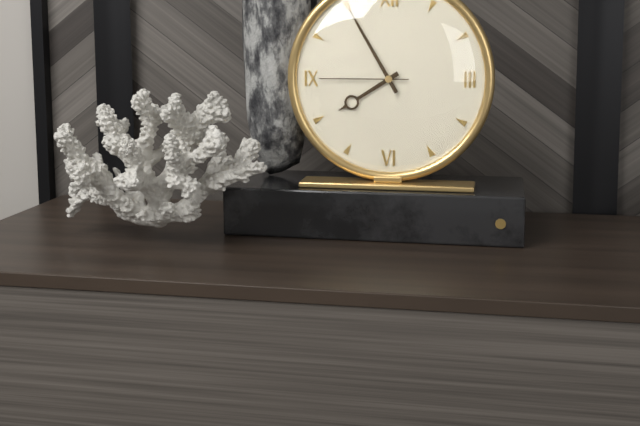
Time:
7h55m45s
